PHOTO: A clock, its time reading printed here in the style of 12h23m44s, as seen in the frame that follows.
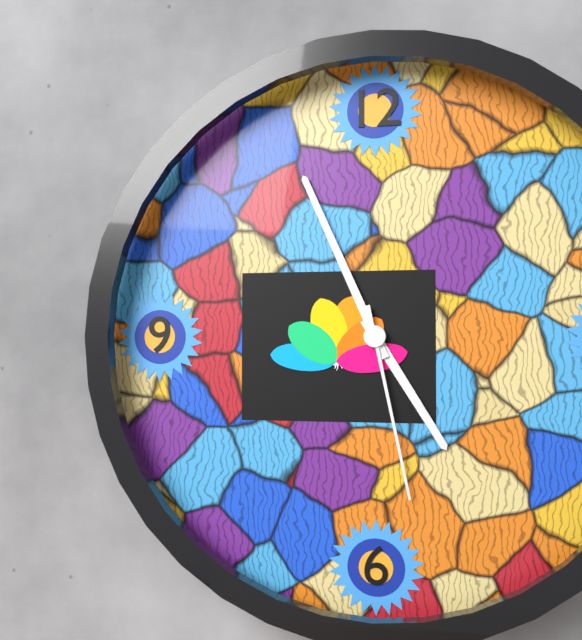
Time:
4h56m28s
